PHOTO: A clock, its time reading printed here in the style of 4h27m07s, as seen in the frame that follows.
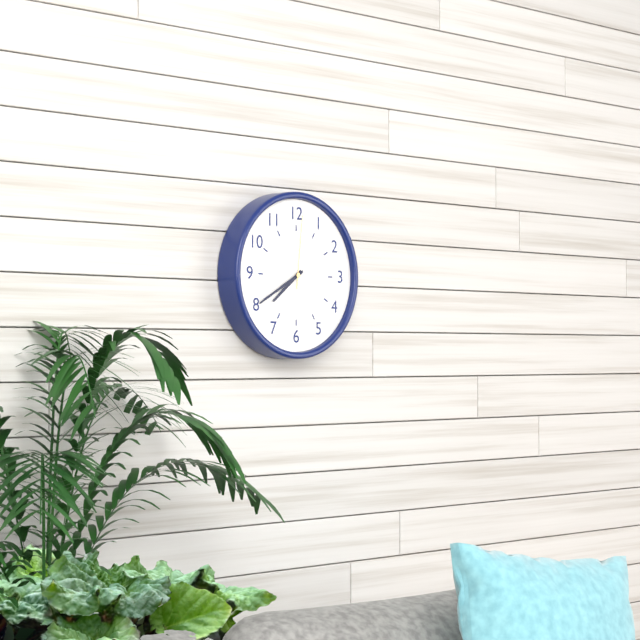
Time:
7h40m01s
